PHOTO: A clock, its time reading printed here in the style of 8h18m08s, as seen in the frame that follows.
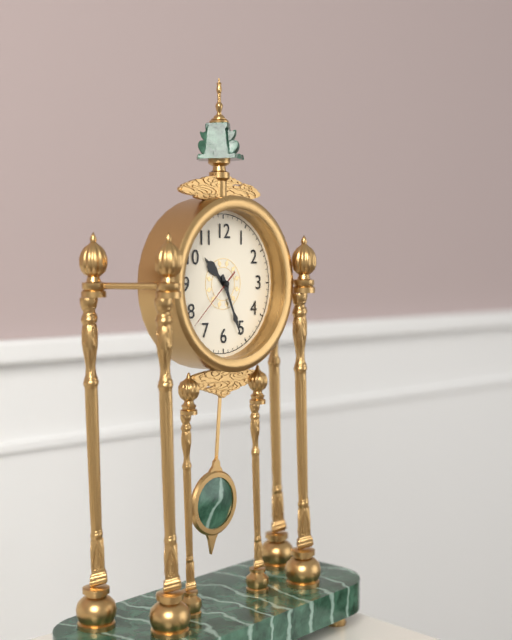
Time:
10h26m38s
